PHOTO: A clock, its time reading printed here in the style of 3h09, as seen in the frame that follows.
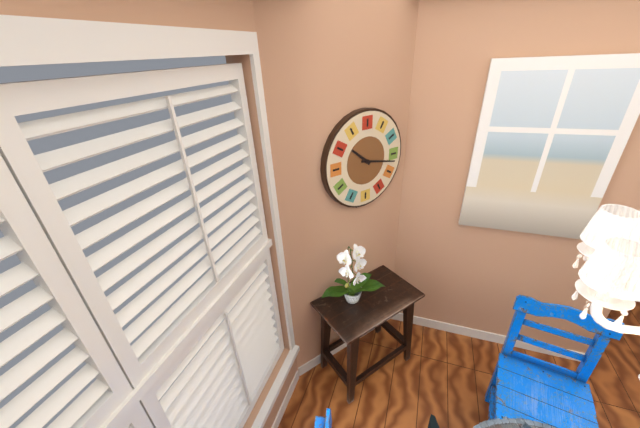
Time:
10h17
